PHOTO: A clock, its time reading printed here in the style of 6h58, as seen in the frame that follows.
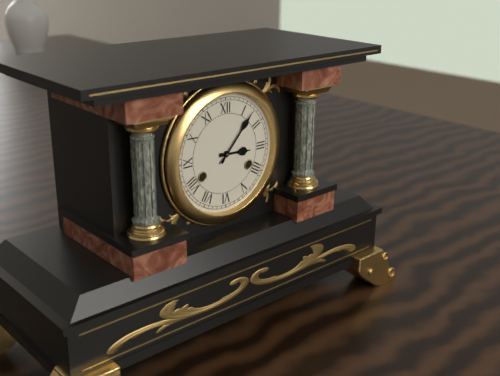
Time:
3h07
